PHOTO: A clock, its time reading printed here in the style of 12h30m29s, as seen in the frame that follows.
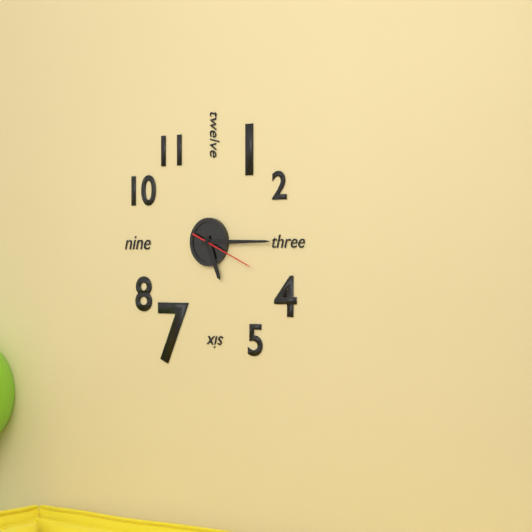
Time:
5h15m19s
